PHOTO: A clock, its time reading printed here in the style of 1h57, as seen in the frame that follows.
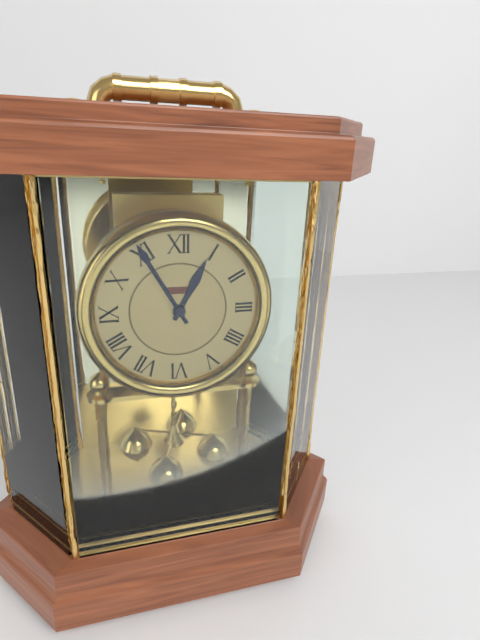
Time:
12h55
